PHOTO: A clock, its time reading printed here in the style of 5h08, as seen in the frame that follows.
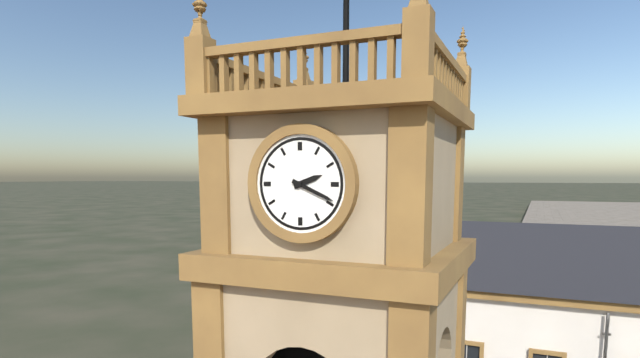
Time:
2h19
